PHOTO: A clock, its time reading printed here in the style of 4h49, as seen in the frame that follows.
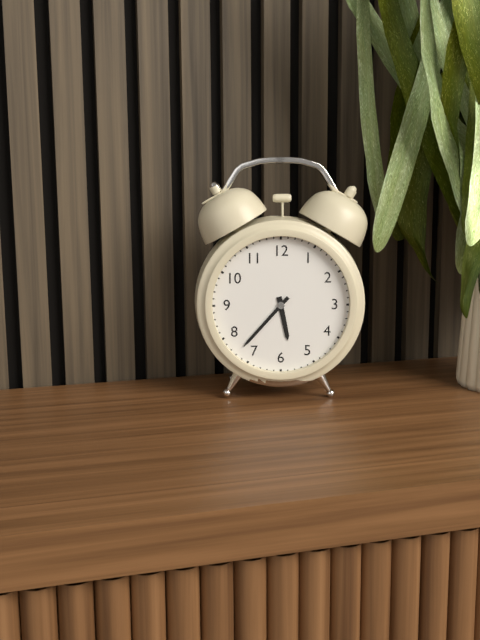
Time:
5h37
